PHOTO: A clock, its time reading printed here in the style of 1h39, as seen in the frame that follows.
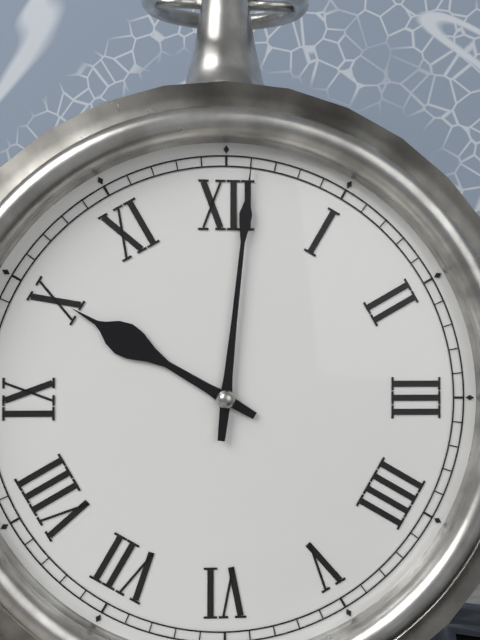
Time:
10h01
